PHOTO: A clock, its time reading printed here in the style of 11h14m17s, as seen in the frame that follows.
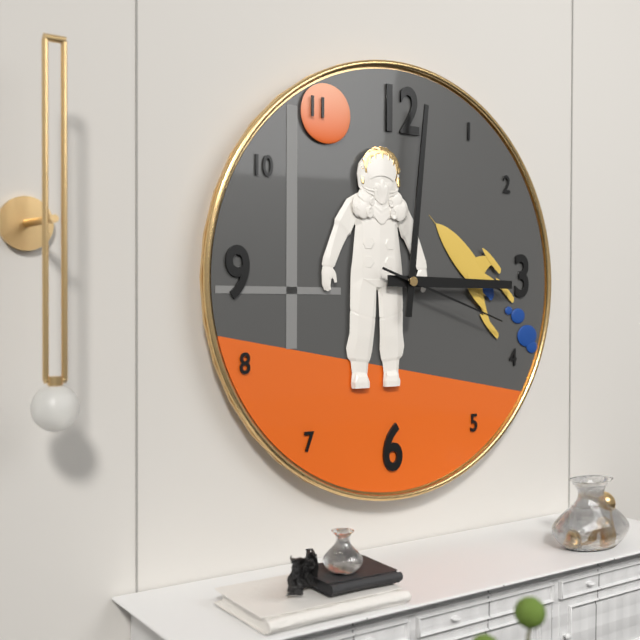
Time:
3h01m18s
